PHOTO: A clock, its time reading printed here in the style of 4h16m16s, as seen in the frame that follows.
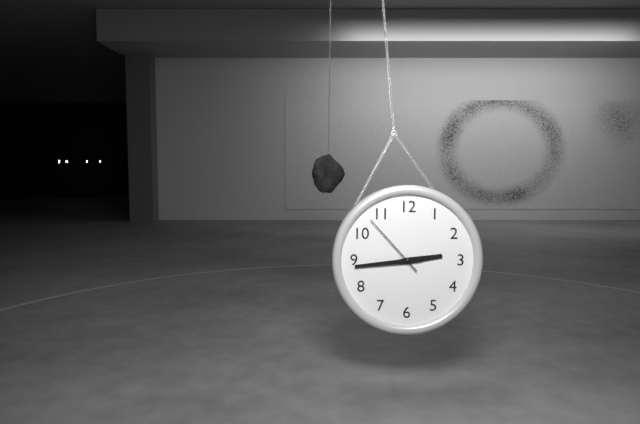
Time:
2h44m53s
